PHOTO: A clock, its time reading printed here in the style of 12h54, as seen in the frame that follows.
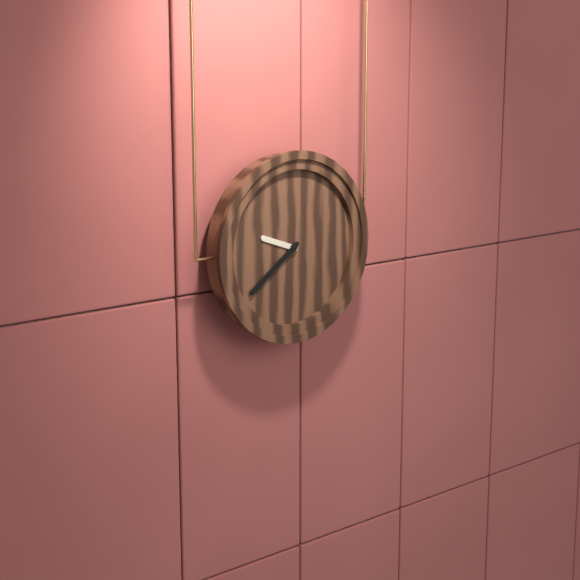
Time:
9h39
